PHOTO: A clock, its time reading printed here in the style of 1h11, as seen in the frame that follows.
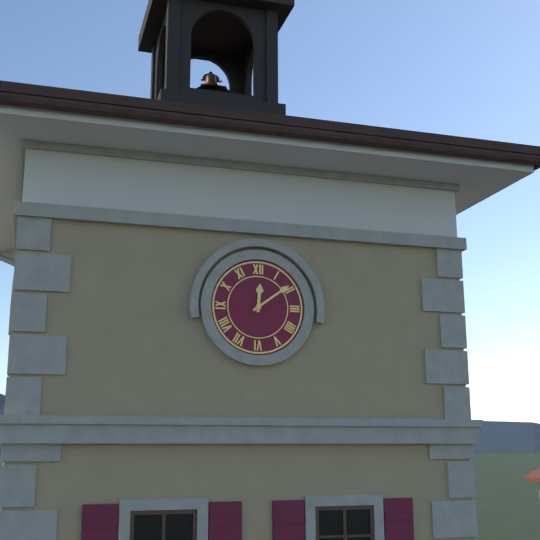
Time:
12h09
